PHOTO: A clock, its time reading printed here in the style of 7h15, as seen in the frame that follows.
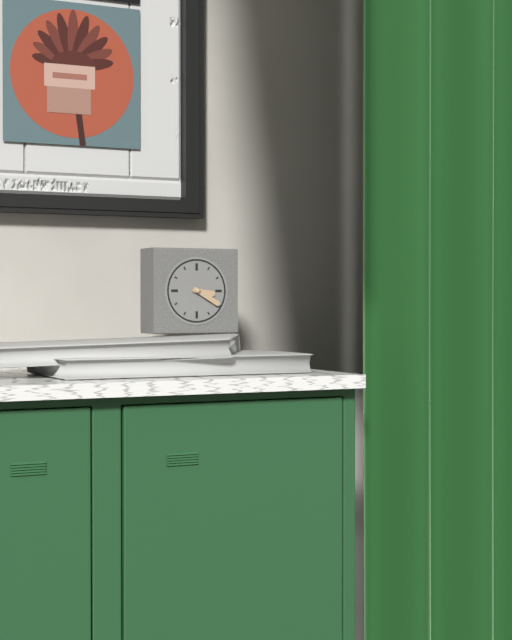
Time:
3h20
